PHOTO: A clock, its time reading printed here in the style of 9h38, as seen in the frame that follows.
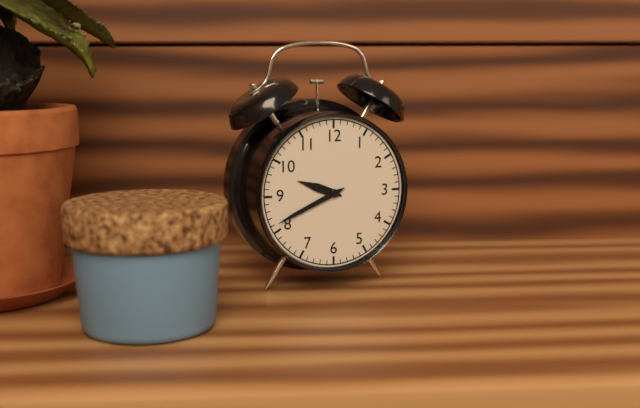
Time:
9h41
